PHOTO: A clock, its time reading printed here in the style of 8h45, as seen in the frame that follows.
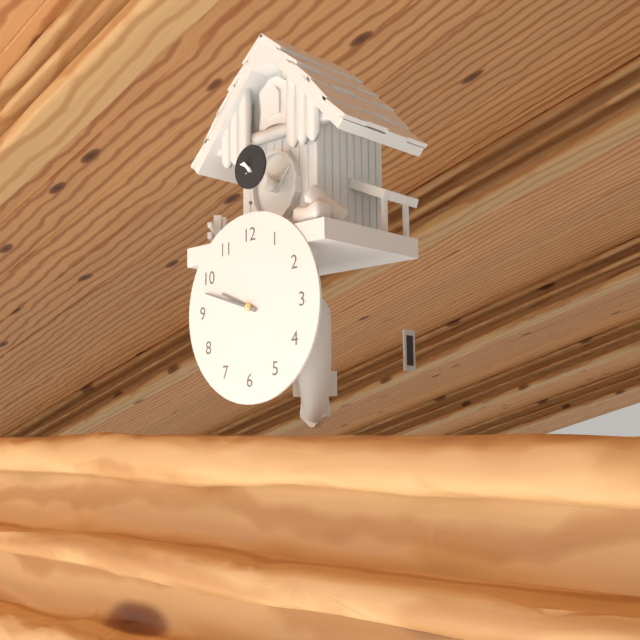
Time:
9h48
